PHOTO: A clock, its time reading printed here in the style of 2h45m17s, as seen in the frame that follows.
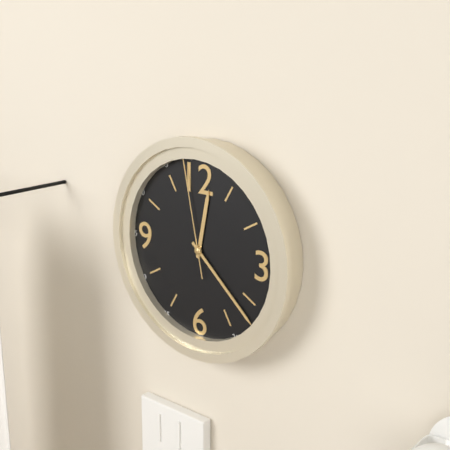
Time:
12h22m58s
